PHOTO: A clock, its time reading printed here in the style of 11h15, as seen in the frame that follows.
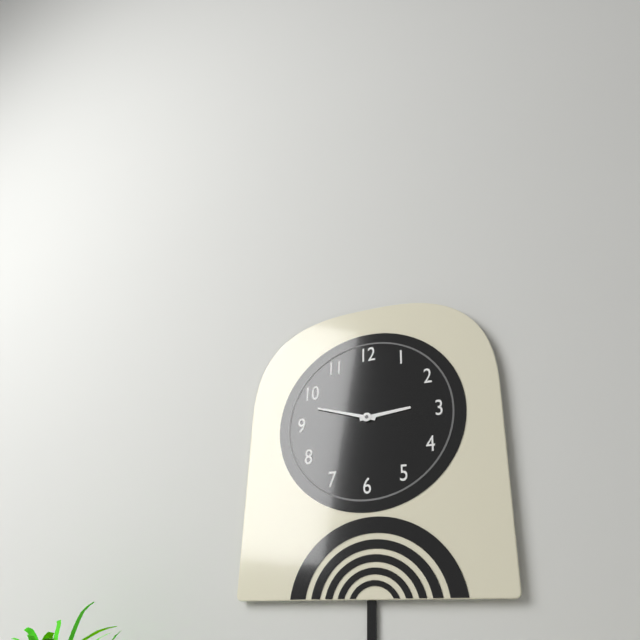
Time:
2h48
